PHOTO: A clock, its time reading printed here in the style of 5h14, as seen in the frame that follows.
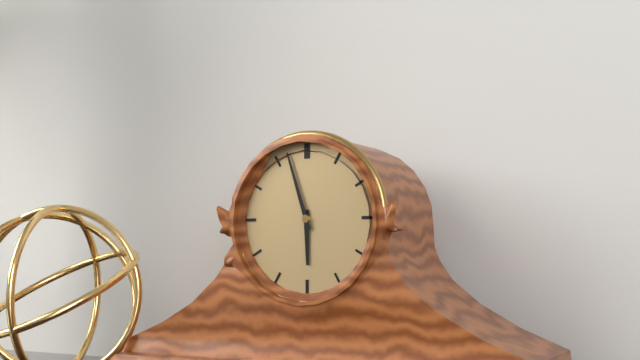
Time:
5h57
